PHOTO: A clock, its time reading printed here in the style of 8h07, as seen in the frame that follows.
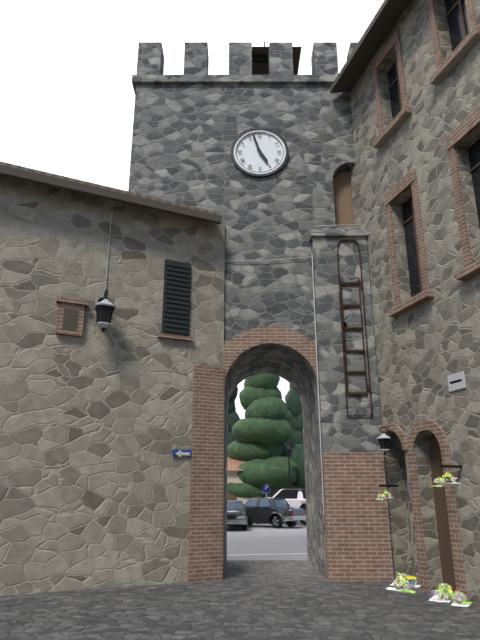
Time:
4h57
